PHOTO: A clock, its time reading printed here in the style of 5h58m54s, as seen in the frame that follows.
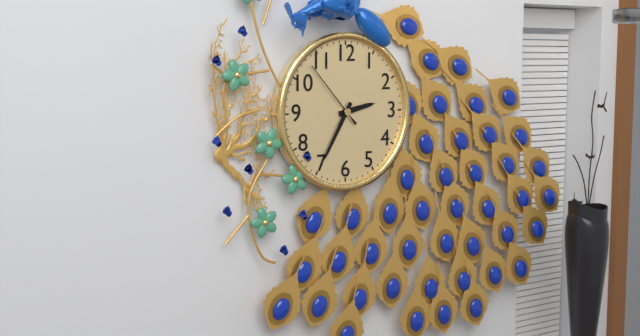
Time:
2h35m53s
